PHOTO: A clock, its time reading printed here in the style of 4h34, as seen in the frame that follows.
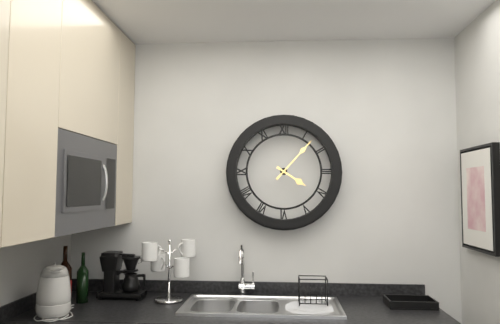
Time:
4h07
